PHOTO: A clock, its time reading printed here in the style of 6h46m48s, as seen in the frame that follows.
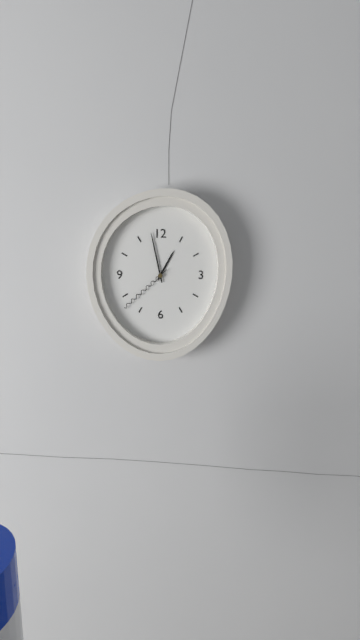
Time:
12h58m38s
